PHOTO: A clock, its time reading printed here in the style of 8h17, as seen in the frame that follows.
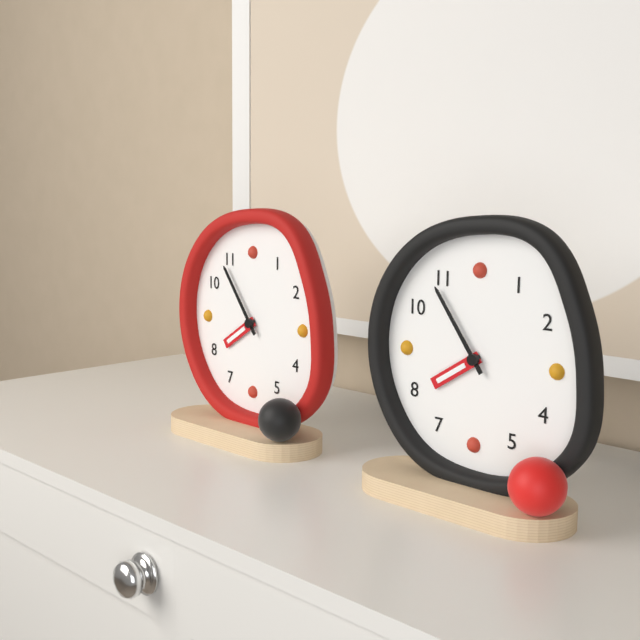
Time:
7h54
